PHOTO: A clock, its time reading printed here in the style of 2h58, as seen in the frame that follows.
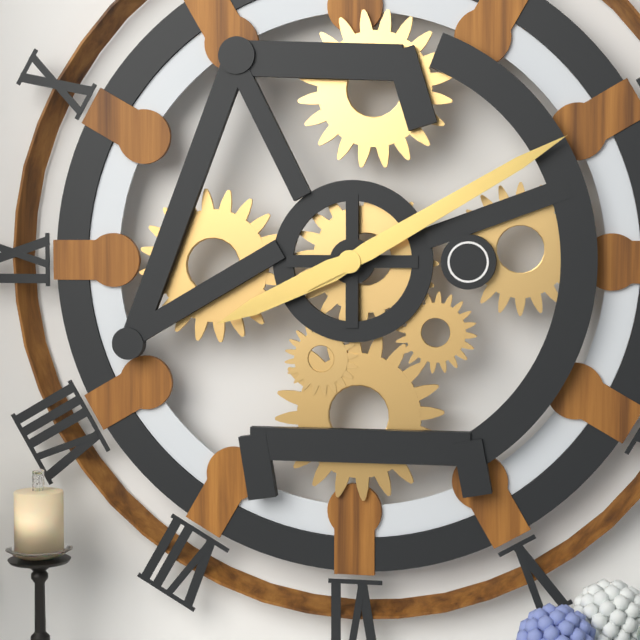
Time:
8h10
